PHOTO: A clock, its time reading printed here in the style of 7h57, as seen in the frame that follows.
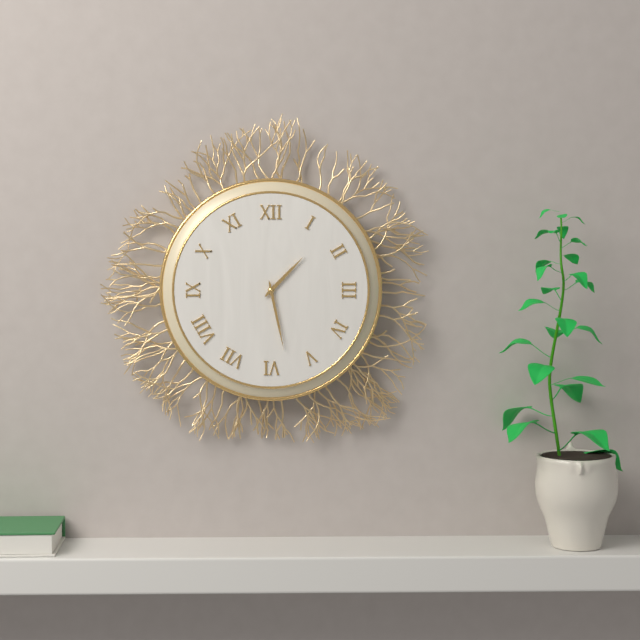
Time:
1h28
